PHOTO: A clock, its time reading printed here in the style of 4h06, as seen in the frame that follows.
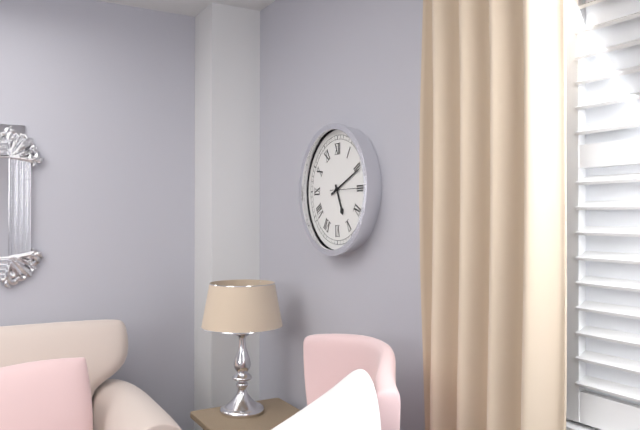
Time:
5h11
